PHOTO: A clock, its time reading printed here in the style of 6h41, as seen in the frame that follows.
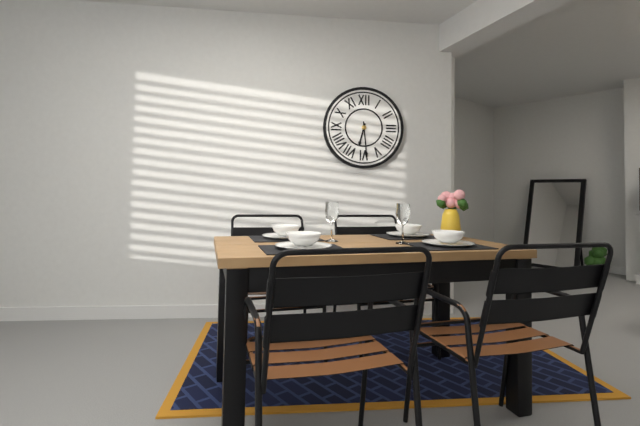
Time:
6h29
